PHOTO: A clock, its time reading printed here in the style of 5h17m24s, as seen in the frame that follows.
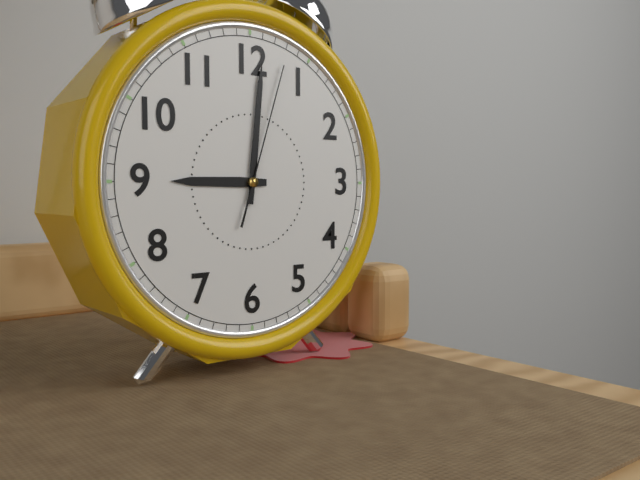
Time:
9h01m03s
